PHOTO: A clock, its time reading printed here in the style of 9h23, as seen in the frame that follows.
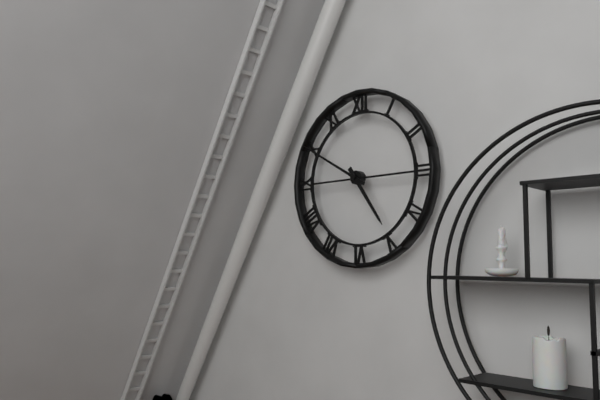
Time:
4h50
